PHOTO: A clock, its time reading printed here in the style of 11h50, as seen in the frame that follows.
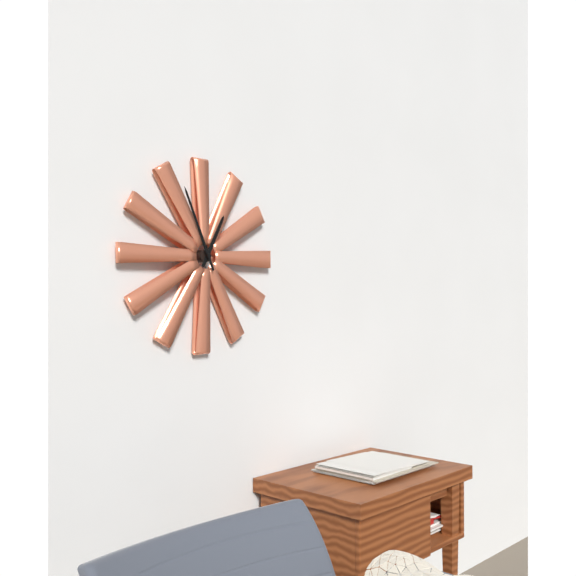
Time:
12h56
